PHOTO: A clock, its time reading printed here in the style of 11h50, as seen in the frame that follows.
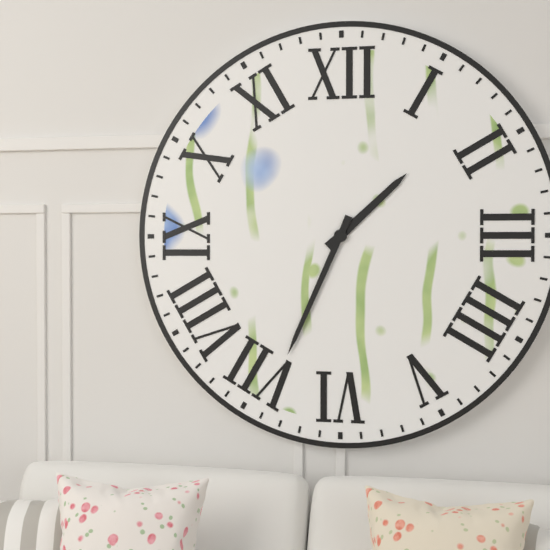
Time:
1h34
